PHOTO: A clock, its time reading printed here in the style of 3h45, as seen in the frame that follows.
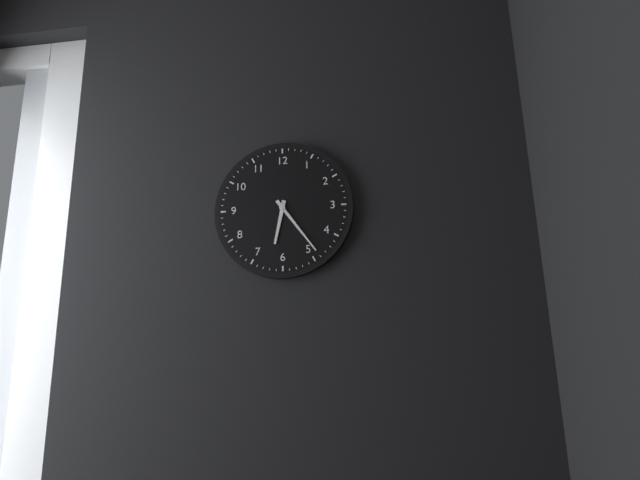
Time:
6h24
